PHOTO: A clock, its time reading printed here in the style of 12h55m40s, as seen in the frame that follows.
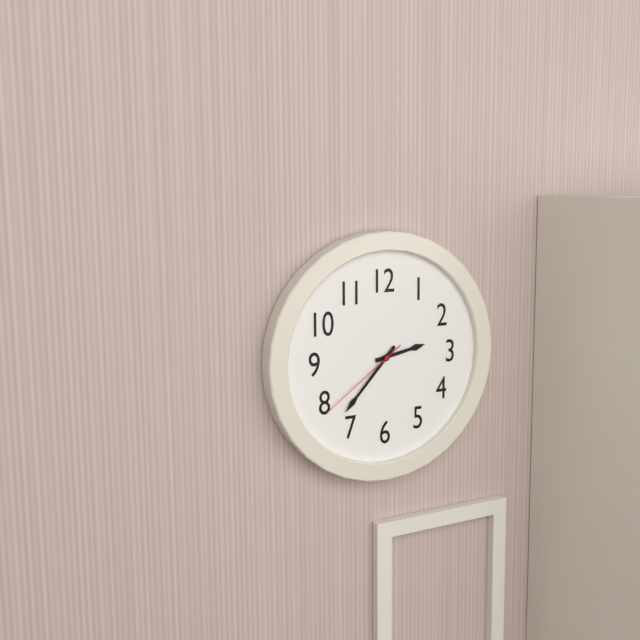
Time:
2h37m39s
